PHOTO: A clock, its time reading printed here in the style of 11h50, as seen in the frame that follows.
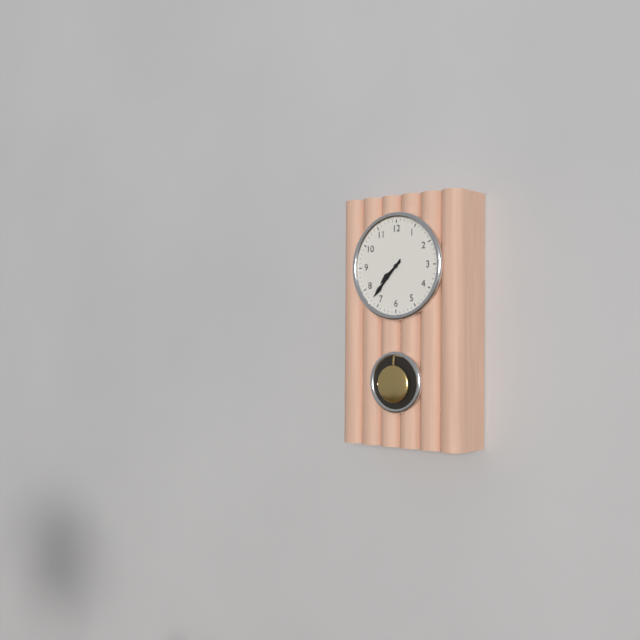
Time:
7h37
